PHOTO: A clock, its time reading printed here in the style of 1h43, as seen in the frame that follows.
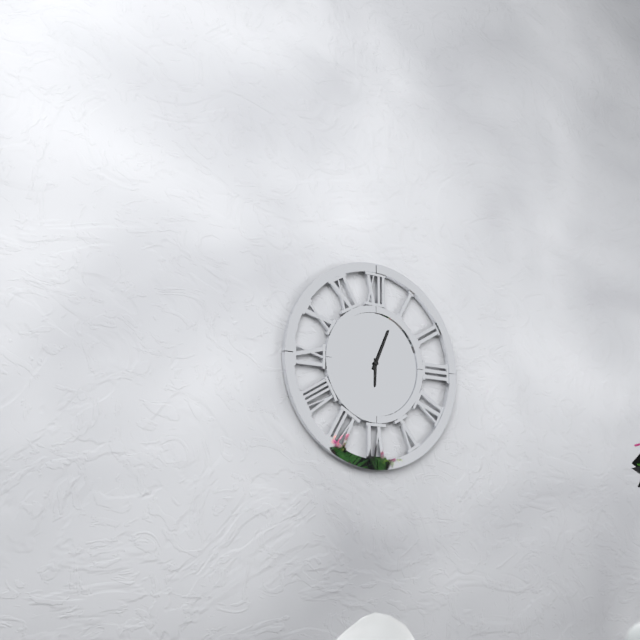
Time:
6h04
